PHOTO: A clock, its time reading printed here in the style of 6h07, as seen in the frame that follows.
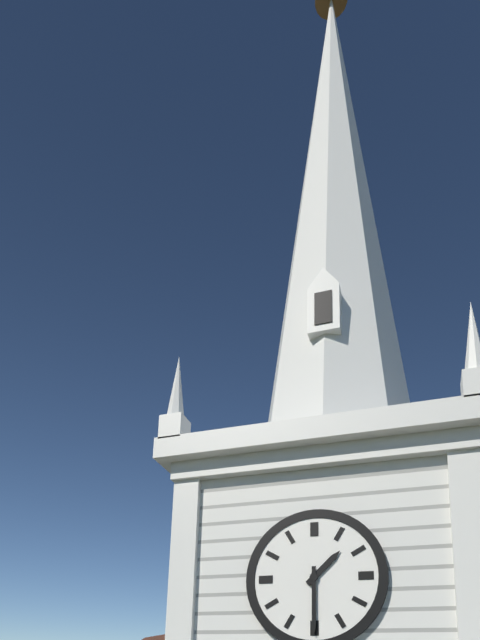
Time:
1h30
